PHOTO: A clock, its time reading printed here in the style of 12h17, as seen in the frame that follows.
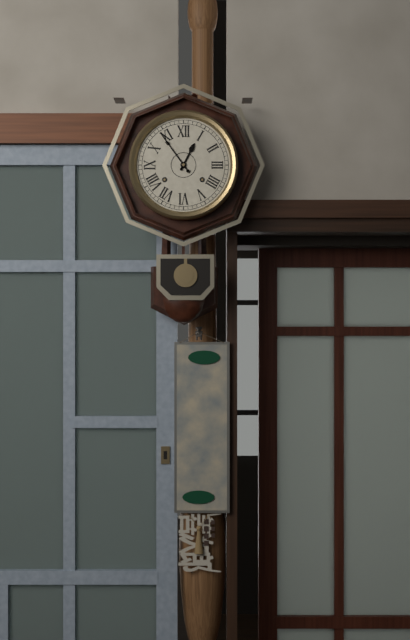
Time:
12h54
